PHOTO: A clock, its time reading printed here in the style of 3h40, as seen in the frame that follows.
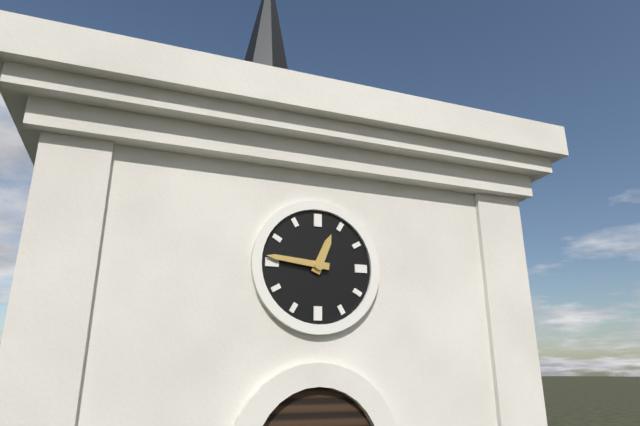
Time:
12h46
